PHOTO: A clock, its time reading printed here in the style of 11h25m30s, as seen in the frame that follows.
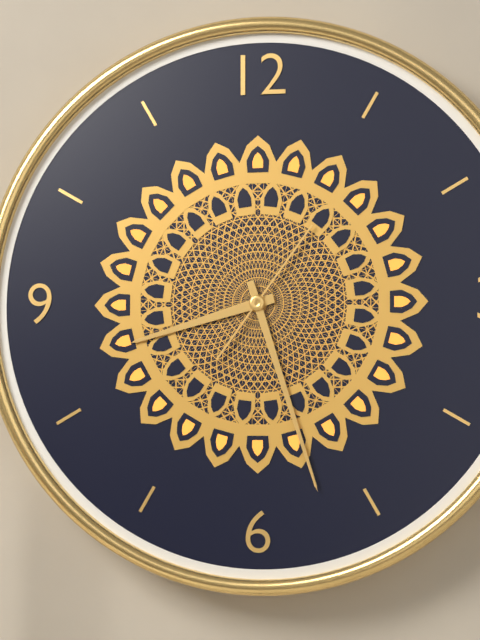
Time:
8h27m06s
